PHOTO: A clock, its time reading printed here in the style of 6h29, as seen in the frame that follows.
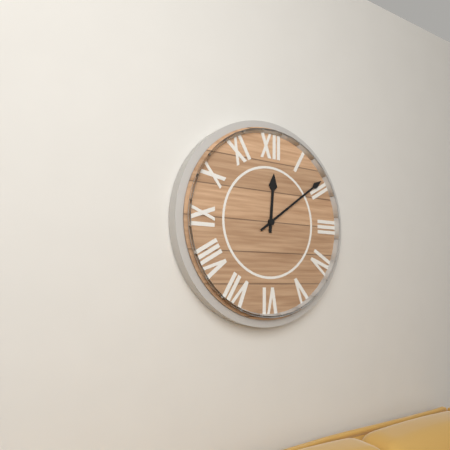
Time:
12h09
